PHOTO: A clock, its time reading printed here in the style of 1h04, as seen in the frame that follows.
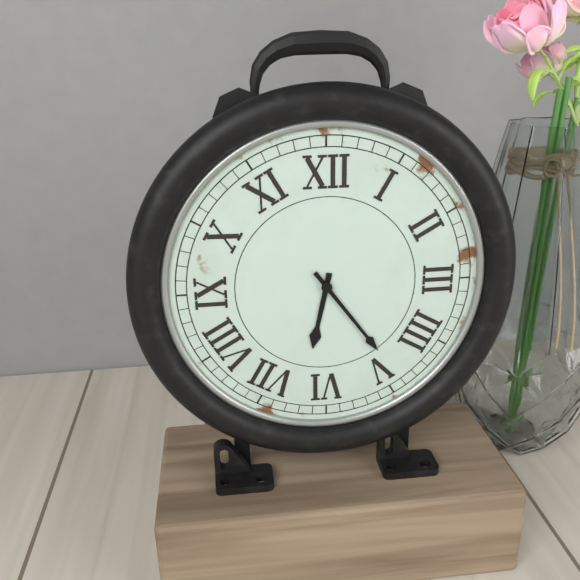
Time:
6h24
